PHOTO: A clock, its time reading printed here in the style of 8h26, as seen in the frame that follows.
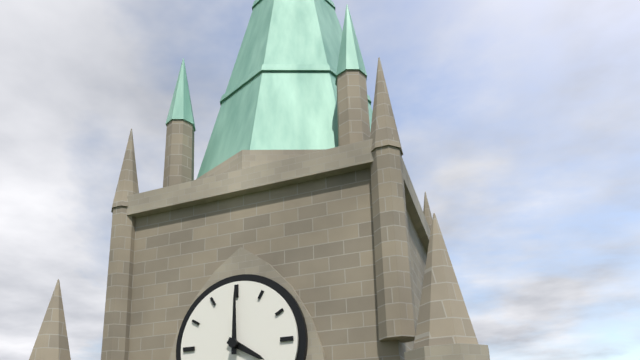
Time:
4h00
